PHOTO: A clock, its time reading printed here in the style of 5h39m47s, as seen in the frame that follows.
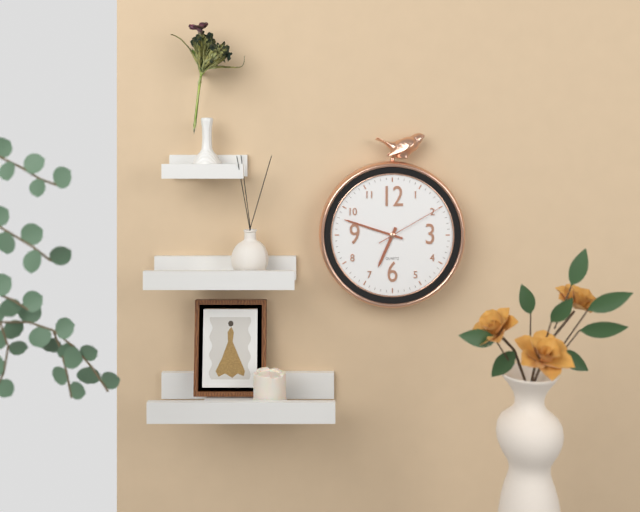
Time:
6h48m10s
